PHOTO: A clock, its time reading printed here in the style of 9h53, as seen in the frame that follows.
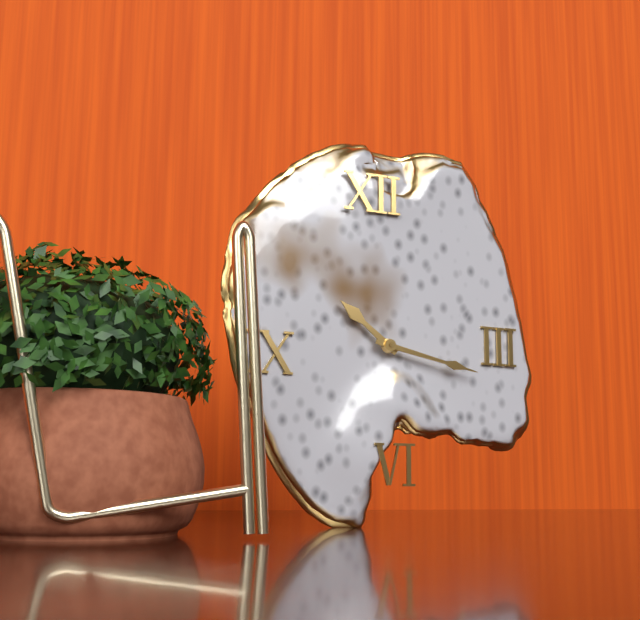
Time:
10h17
